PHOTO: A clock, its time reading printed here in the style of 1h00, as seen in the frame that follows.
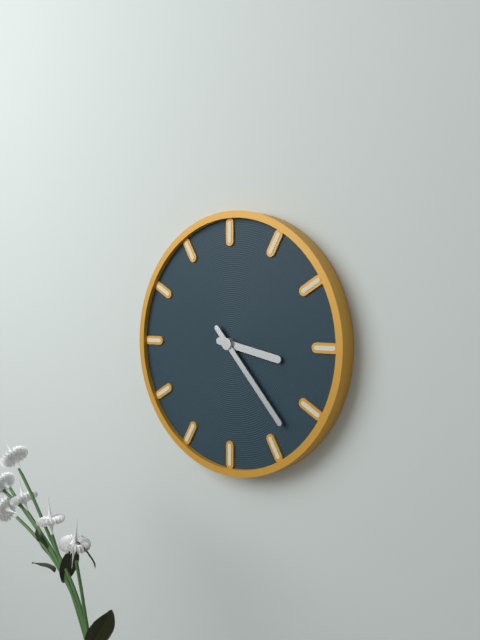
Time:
3h23
